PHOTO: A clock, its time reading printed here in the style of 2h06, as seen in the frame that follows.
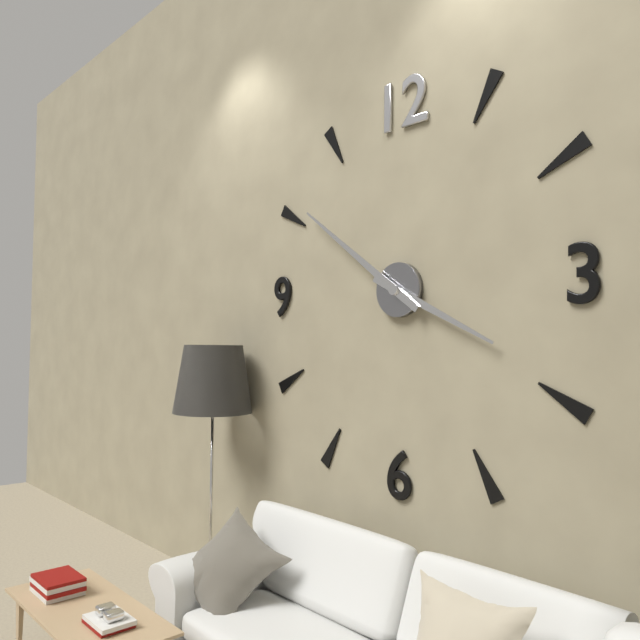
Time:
3h51
